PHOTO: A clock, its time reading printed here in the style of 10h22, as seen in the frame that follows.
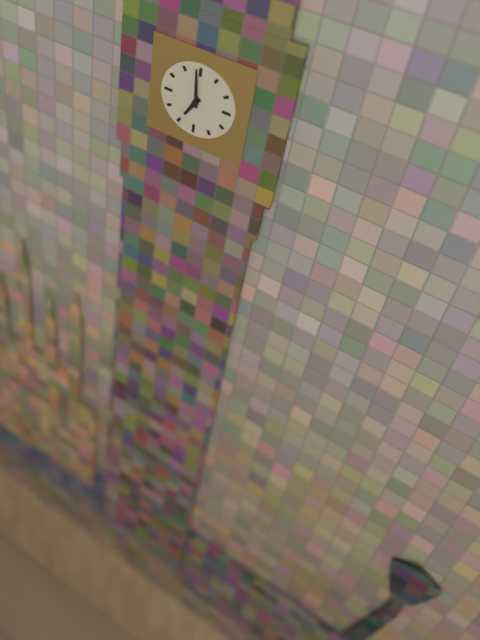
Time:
6h59
